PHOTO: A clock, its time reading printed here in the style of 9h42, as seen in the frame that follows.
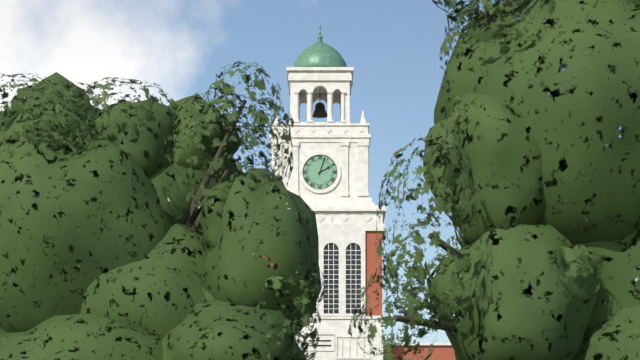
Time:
2h03
